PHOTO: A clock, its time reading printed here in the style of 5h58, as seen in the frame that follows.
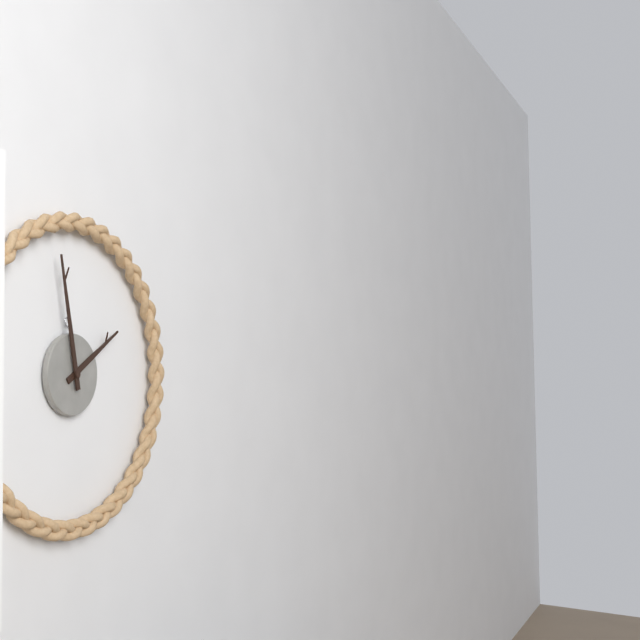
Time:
1h58
